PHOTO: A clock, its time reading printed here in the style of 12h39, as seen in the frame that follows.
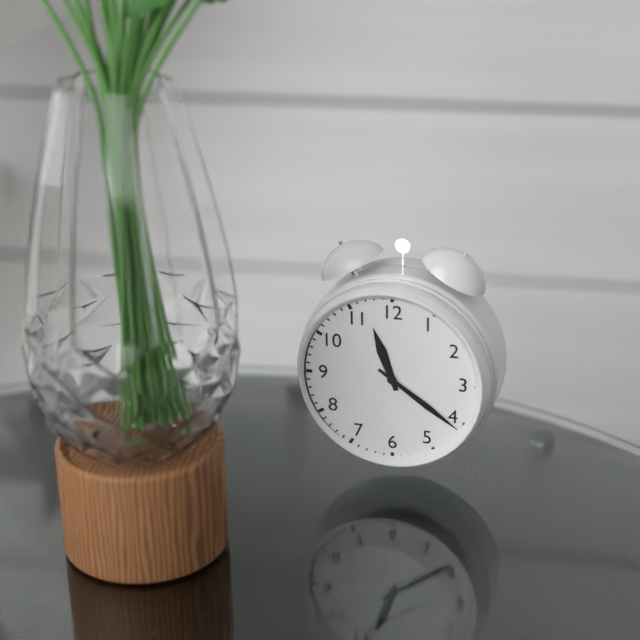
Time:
11h21
